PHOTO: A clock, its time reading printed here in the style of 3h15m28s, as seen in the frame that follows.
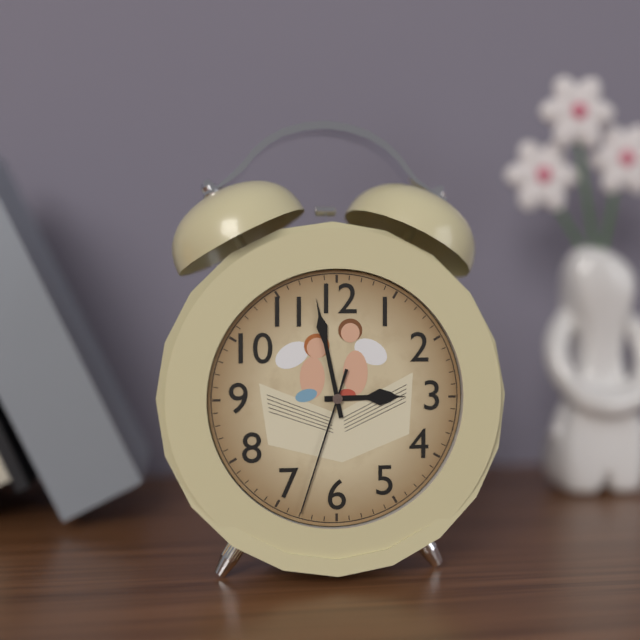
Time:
2h58m33s
